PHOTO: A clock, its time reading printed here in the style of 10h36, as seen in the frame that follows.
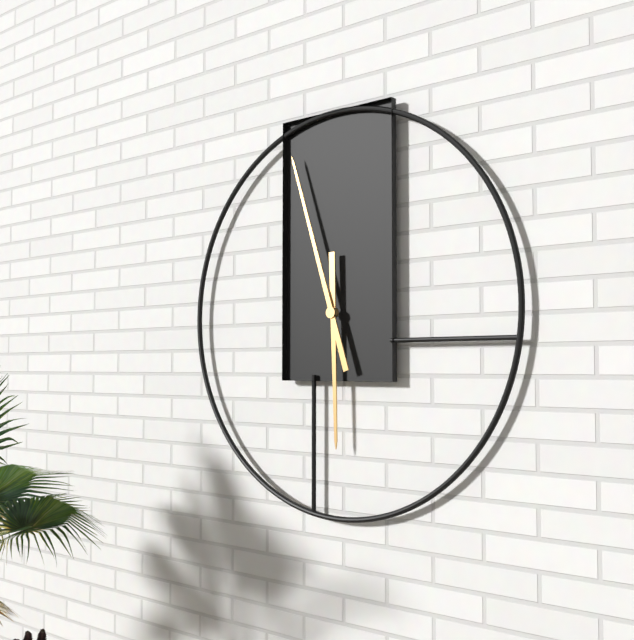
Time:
5h57
